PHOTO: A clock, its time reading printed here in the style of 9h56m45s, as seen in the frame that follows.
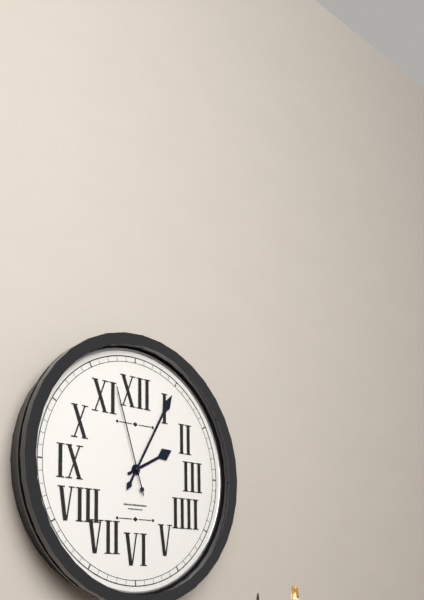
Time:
2h05m57s
